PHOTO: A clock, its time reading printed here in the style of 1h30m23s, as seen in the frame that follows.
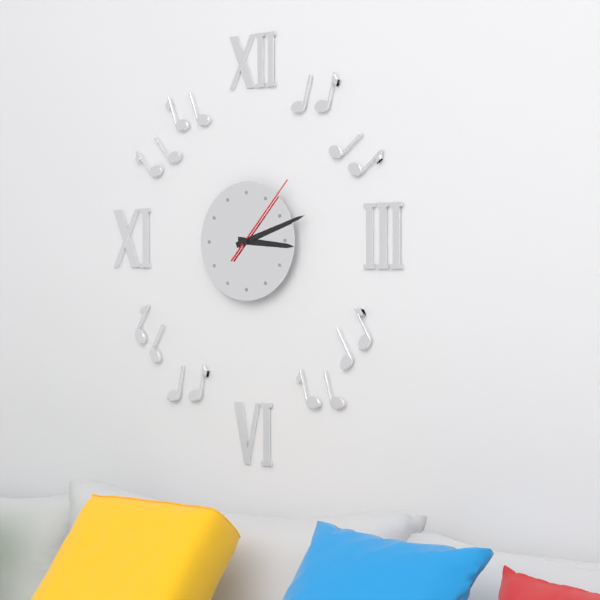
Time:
3h12m07s
